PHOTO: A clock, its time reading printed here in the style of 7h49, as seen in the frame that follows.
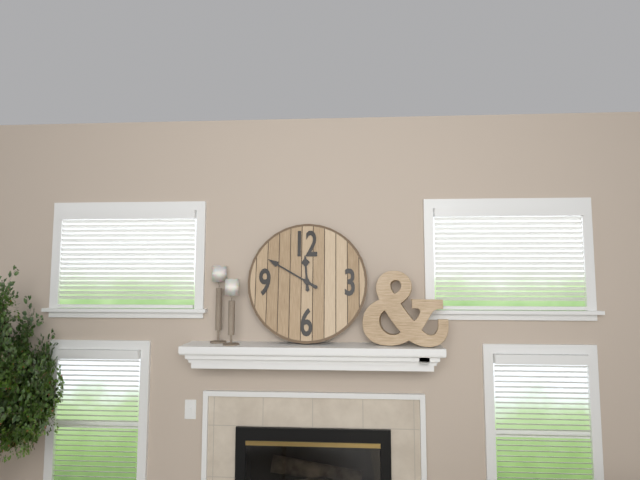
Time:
11h50
